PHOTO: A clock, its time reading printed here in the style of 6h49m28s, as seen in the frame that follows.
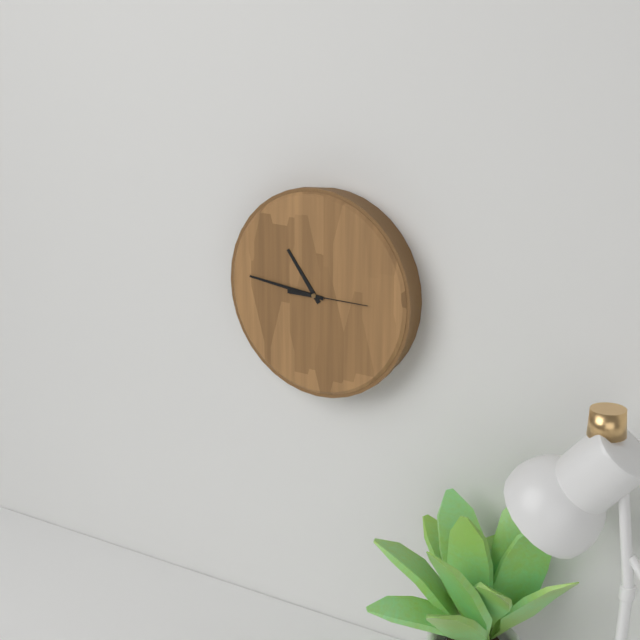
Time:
10h46m15s
